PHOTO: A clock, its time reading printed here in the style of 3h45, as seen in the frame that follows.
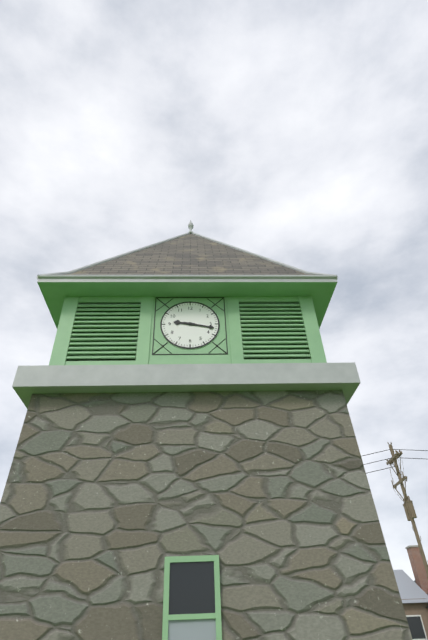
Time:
9h17
